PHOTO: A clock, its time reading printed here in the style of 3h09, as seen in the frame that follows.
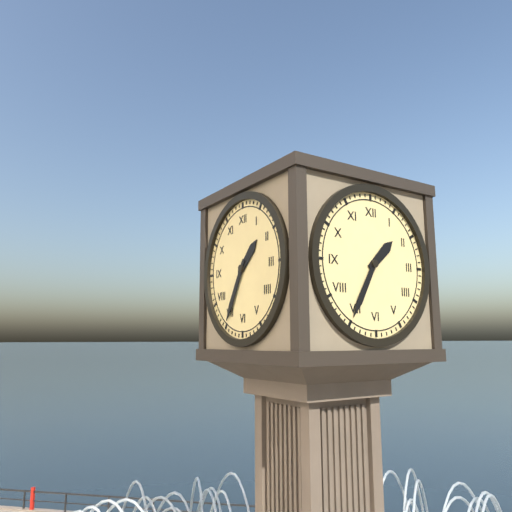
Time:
1h35
